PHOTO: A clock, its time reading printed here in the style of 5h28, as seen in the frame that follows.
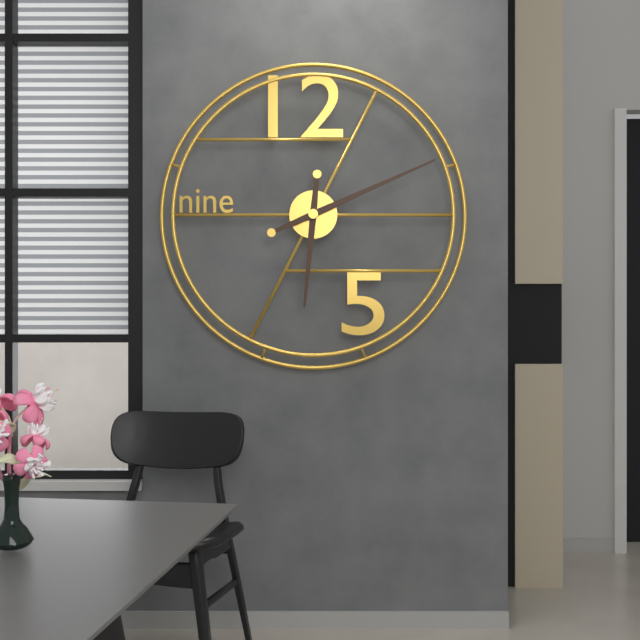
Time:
6h11
